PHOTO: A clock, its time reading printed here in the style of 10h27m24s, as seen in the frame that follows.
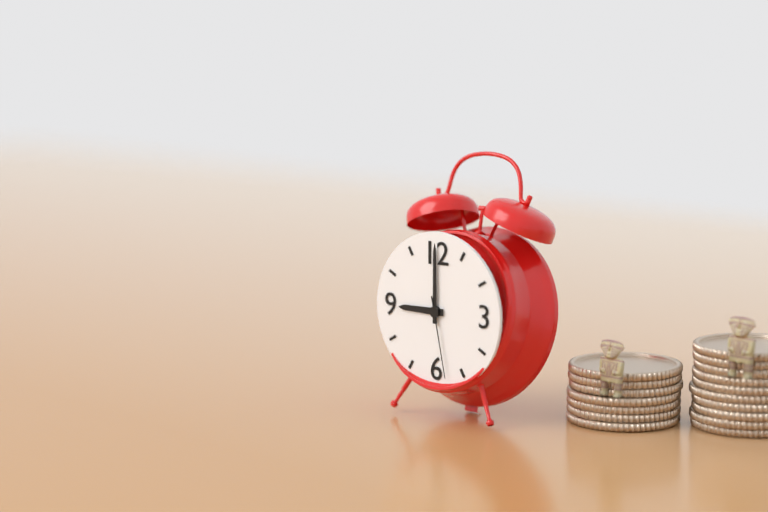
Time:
9h00m28s
